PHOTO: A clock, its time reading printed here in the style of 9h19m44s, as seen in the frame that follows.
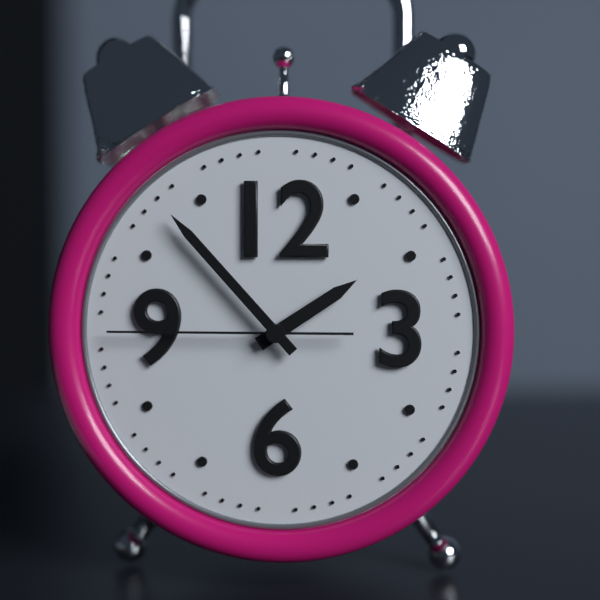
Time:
1h53m45s
